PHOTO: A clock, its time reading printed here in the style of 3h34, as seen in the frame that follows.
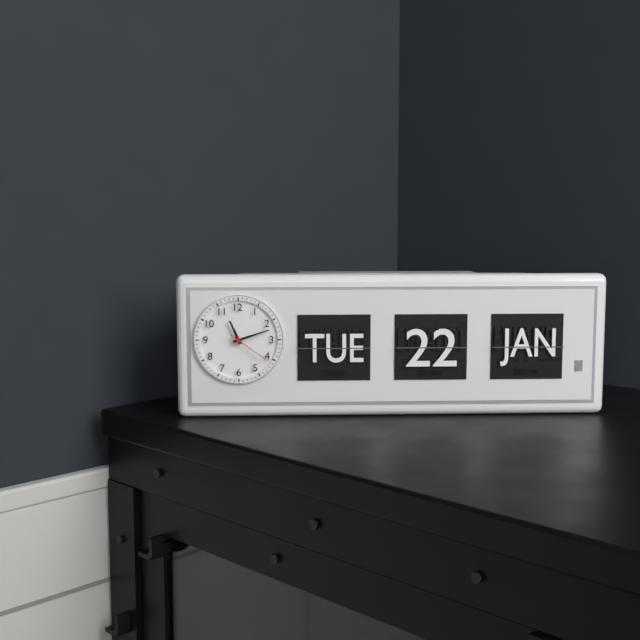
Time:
11h12
